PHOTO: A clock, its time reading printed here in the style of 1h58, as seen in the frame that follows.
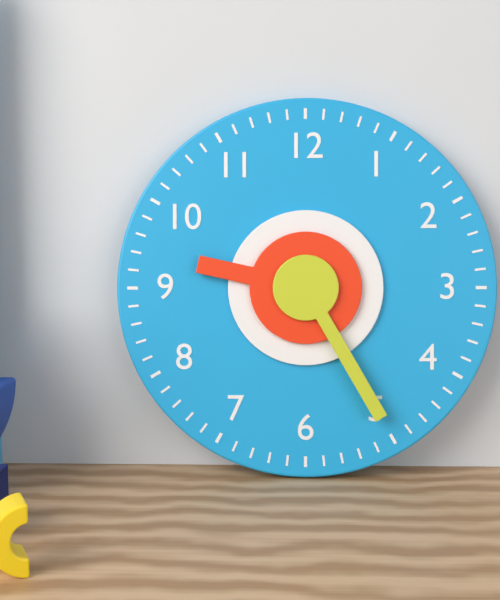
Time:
9h25
